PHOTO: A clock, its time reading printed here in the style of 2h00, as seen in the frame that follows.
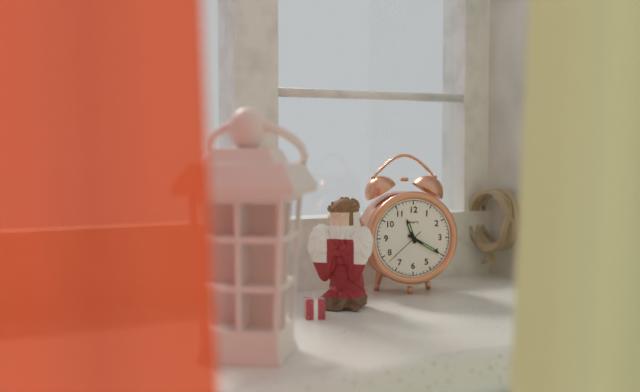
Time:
11h20
